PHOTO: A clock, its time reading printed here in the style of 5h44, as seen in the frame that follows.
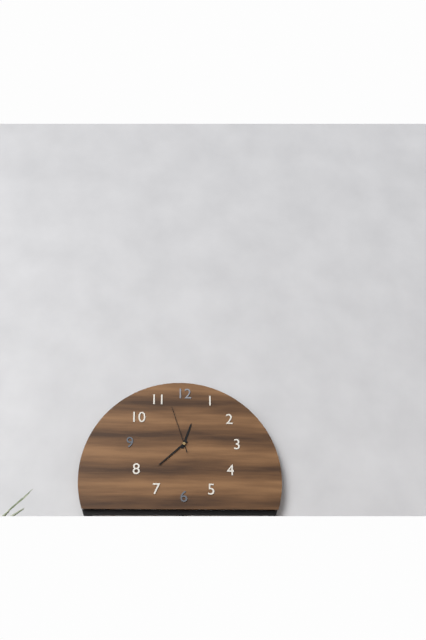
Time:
12h38
